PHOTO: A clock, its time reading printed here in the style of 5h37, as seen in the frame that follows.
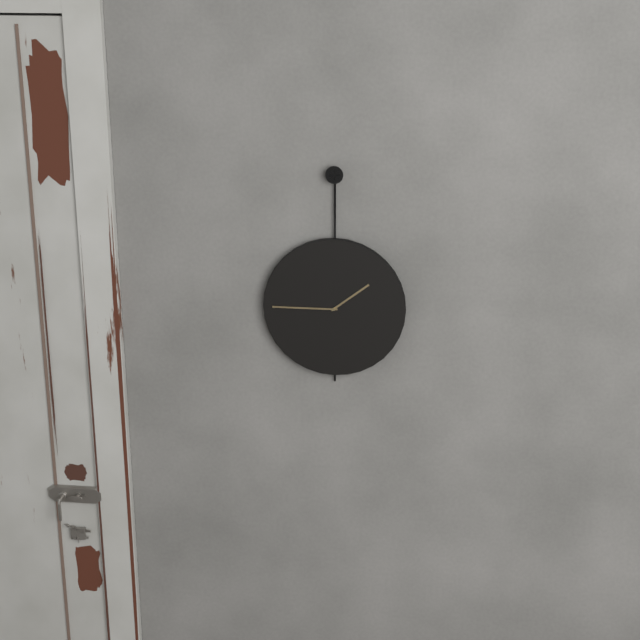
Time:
1h45
